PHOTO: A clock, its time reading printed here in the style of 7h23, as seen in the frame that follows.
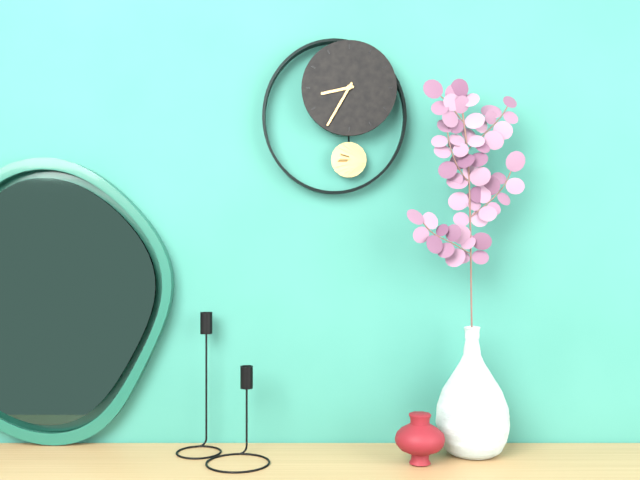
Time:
8h35
